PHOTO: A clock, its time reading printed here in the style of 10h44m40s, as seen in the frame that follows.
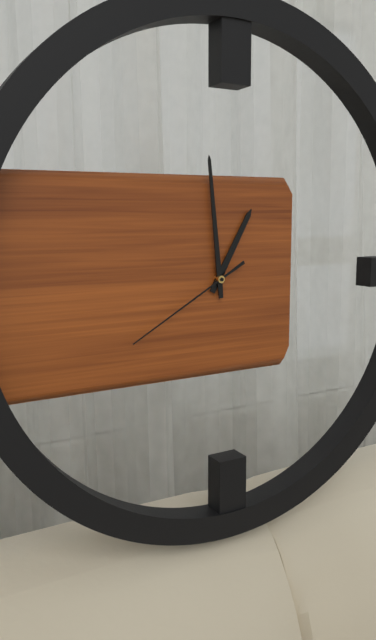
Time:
12h59m40s
